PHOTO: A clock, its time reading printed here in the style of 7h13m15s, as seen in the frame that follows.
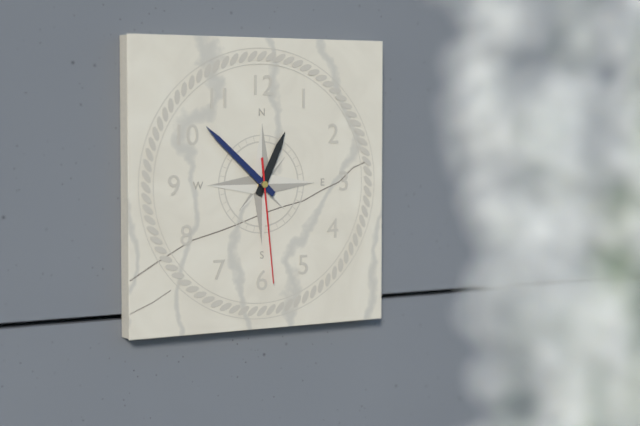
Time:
12h52m29s
